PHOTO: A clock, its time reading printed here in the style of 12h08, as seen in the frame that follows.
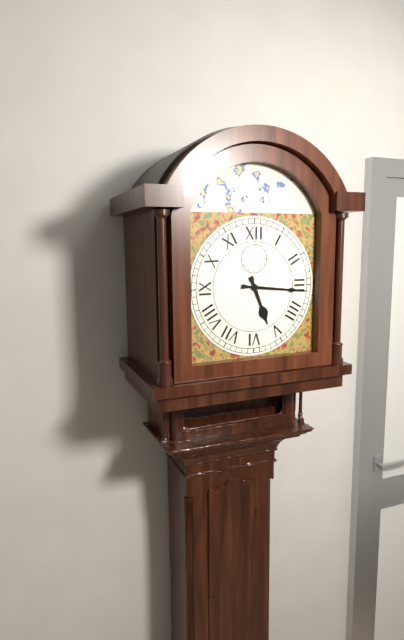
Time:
5h16
